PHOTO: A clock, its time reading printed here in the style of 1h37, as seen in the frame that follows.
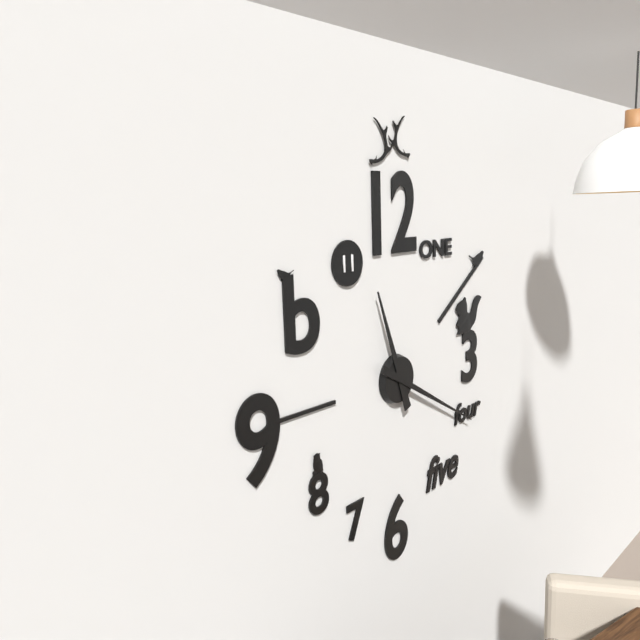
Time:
11h20
